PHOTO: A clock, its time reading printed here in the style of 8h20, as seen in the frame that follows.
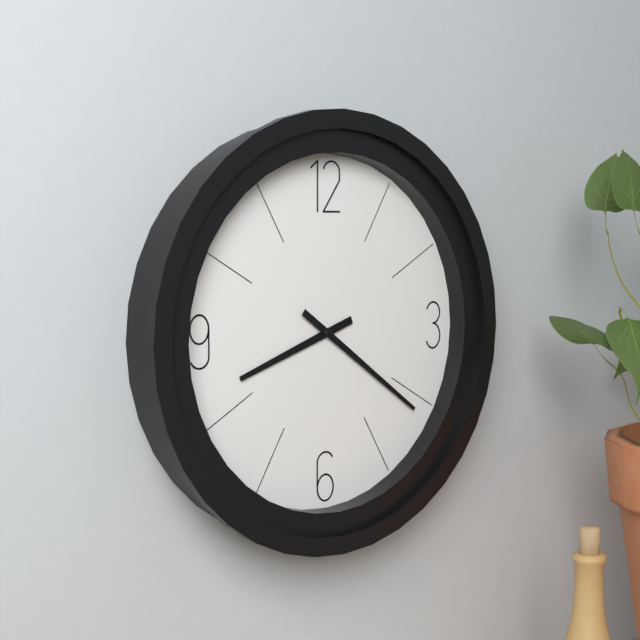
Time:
8h21
